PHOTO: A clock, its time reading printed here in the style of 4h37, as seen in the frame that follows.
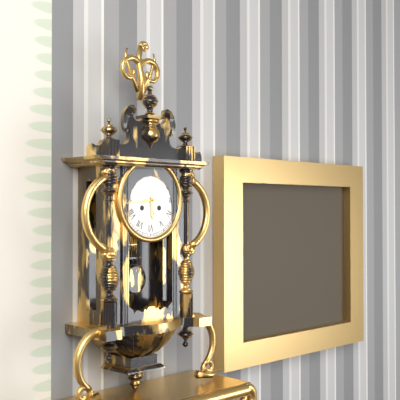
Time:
5h44
